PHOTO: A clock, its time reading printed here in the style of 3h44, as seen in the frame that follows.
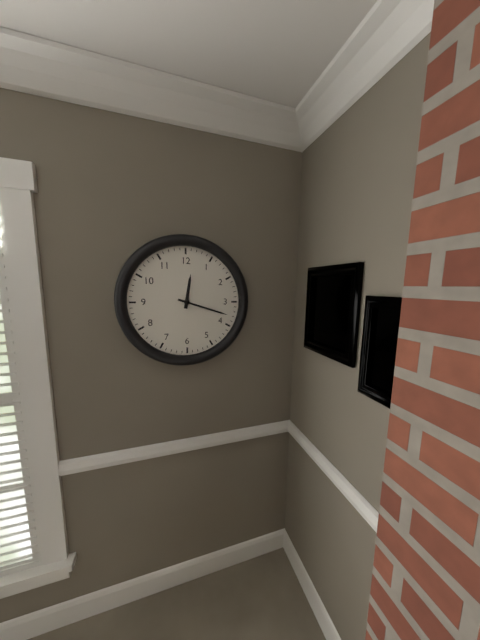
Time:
12h18
